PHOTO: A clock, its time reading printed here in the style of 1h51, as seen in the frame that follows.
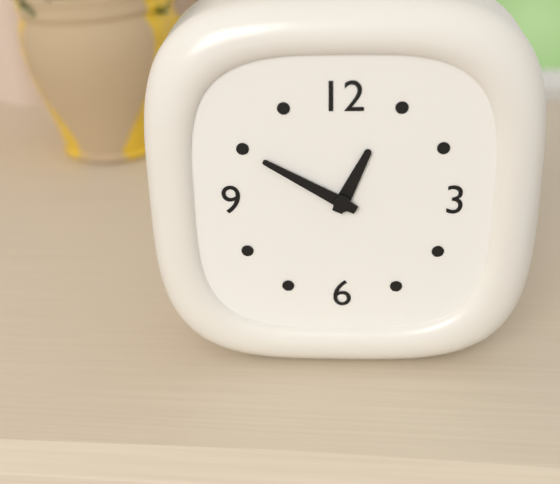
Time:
12h50
